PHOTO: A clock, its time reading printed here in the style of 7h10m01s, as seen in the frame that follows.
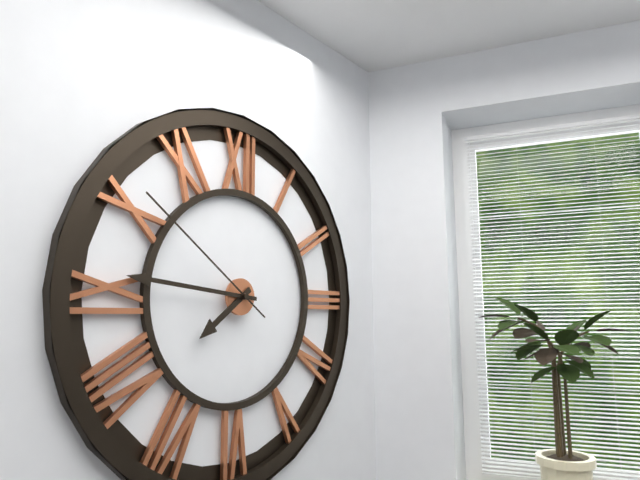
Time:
7h46m51s
